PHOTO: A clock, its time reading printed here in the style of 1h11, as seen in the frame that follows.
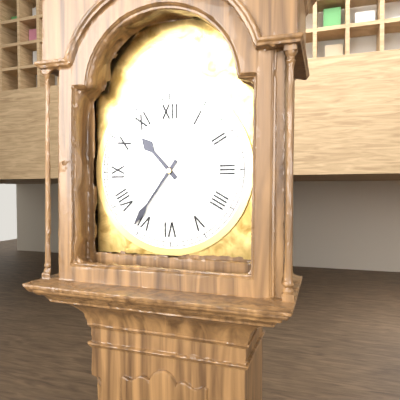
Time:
10h36
